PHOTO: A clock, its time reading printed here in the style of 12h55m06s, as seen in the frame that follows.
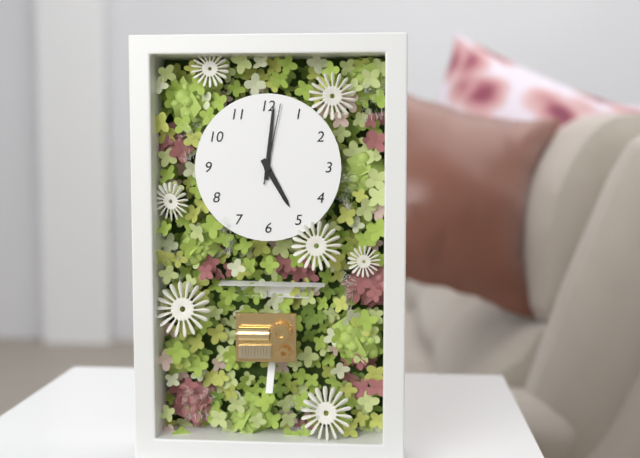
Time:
5h01m02s
